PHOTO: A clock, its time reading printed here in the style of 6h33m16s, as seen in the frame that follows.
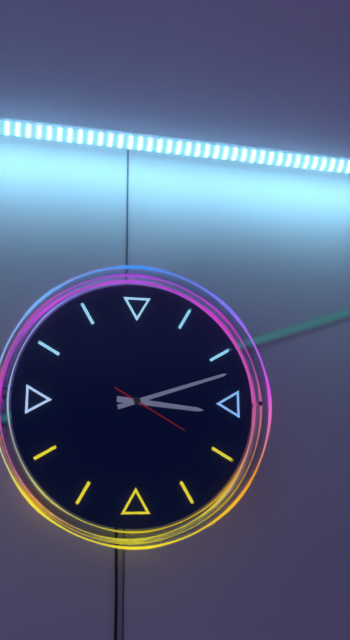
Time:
3h12m20s
